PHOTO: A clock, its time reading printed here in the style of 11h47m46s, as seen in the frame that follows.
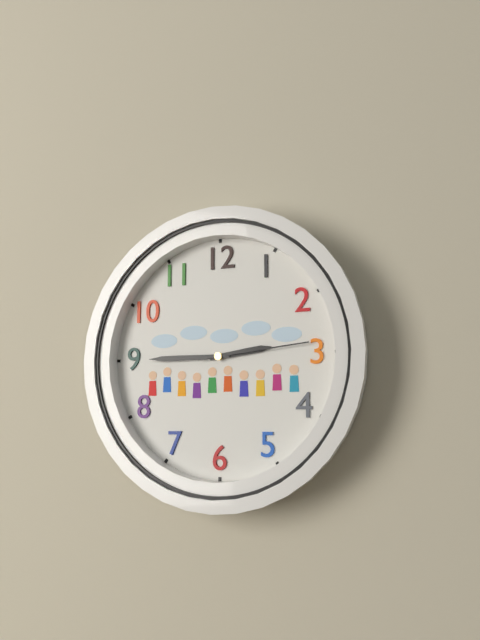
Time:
2h45m14s
